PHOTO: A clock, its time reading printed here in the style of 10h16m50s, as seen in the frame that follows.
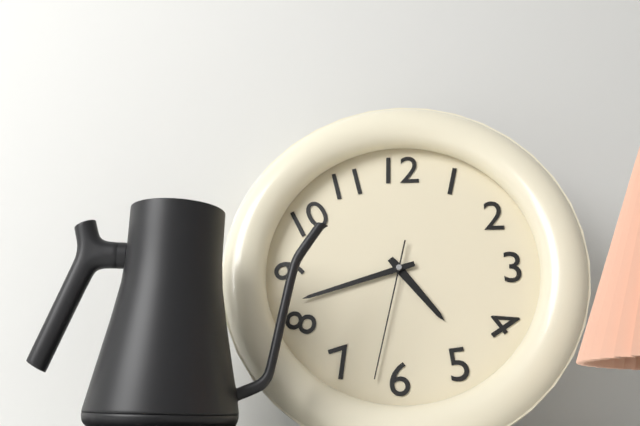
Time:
4h42m32s
